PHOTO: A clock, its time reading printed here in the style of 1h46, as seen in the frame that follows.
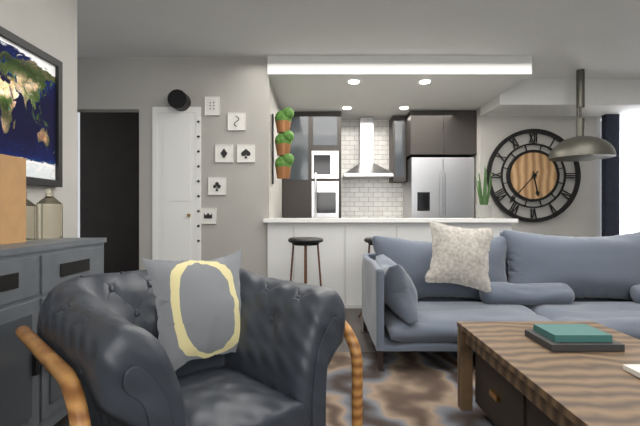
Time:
5h37
